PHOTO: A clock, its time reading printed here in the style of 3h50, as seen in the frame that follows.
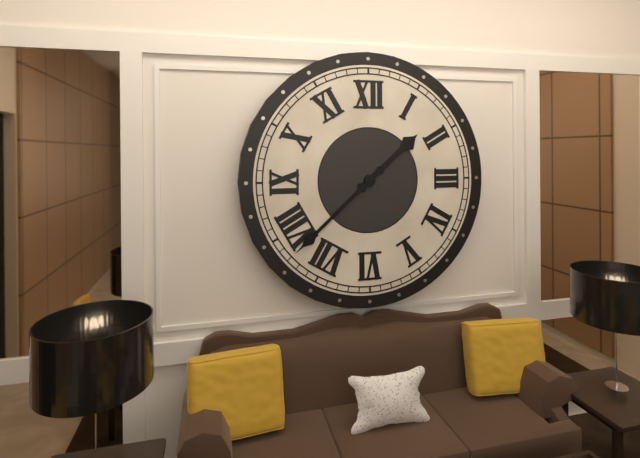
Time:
1h38
